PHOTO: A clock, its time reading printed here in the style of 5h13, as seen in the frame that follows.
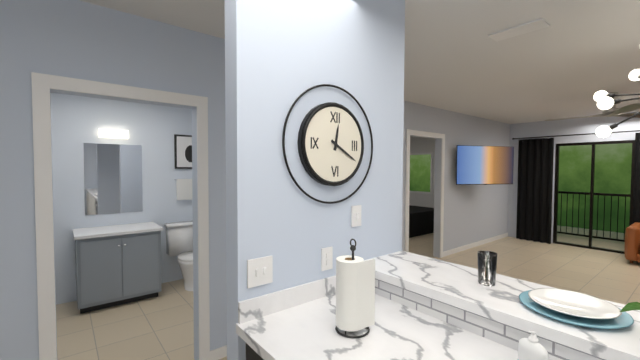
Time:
12h20
